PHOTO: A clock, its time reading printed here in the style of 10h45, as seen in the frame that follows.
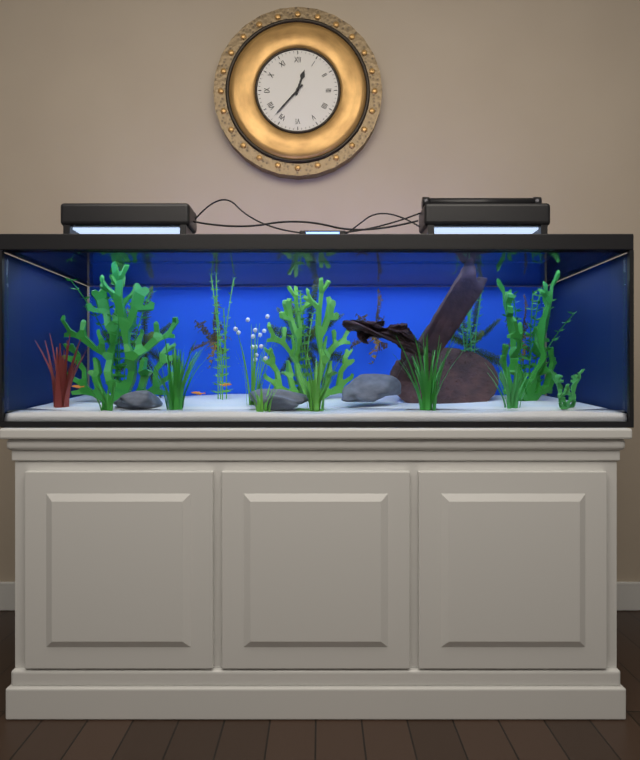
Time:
12h37
